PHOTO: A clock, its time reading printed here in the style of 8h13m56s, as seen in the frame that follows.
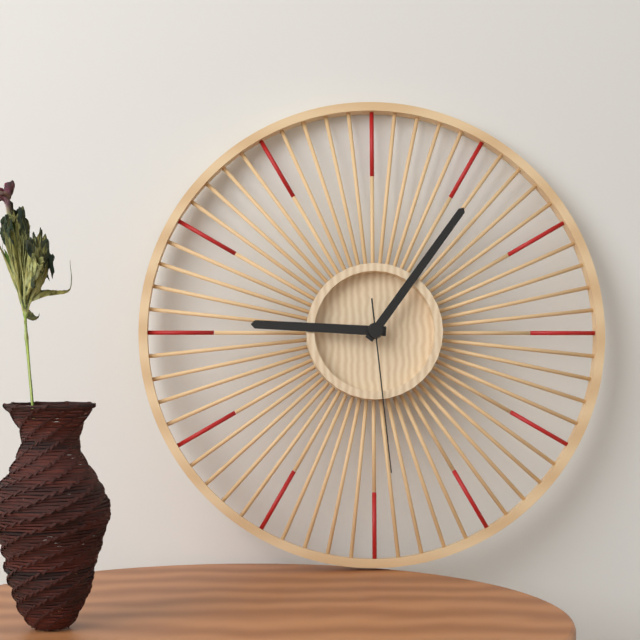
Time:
9h06m29s
